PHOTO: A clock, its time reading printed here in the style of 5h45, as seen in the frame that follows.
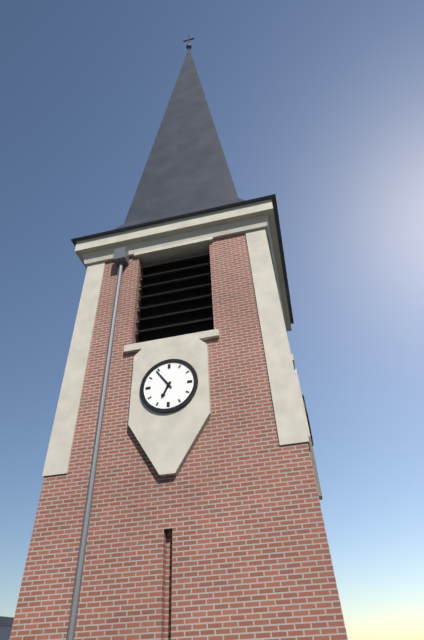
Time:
6h54
